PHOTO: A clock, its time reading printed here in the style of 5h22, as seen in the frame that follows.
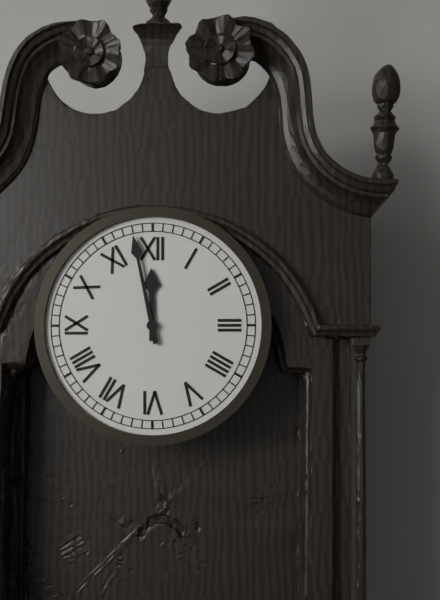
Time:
11h58
